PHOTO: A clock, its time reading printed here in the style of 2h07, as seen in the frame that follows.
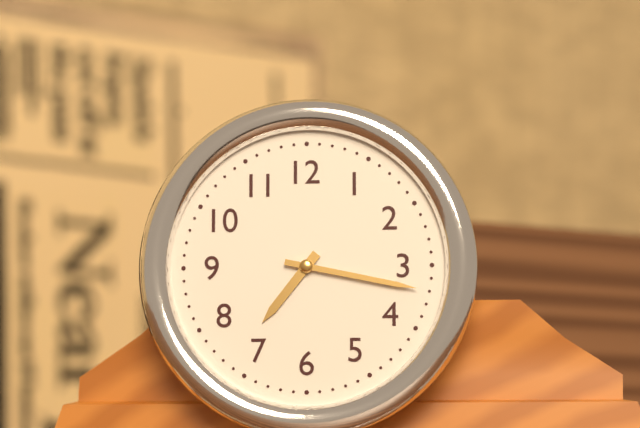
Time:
7h17
